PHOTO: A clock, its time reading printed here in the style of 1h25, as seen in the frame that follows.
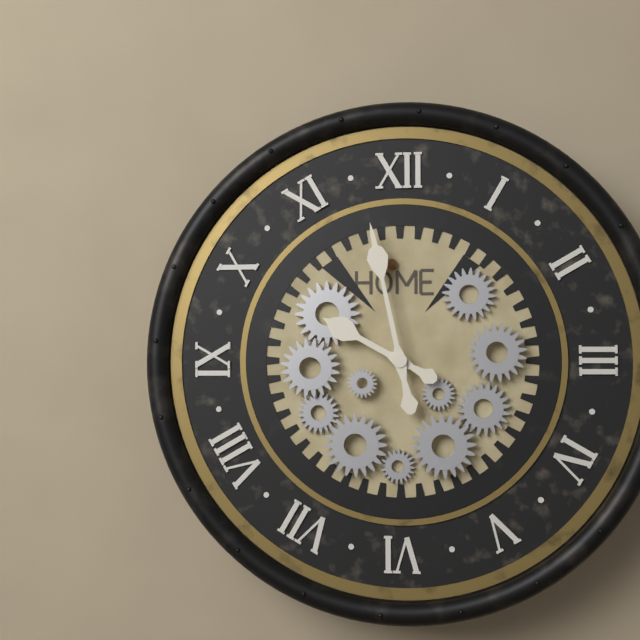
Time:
9h58
